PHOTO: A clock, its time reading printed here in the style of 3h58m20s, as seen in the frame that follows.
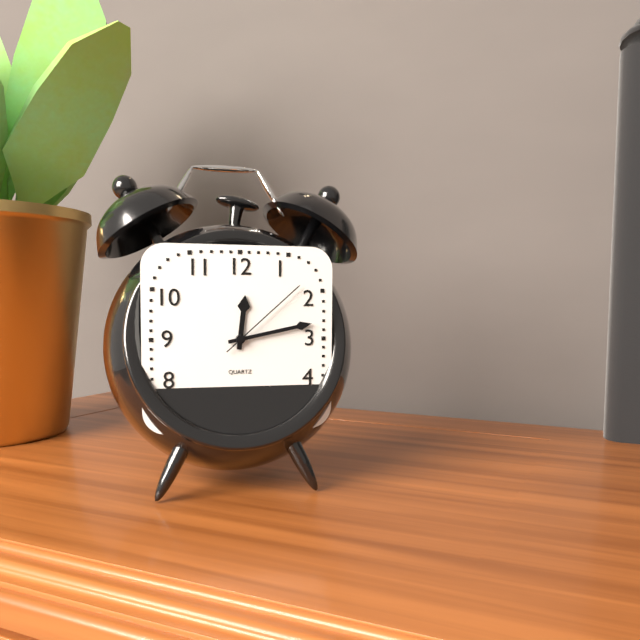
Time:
12h13m08s
